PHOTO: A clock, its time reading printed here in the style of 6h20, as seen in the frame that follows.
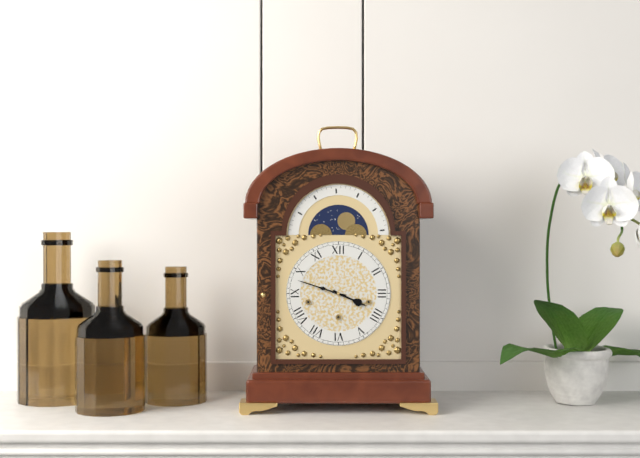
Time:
3h48
